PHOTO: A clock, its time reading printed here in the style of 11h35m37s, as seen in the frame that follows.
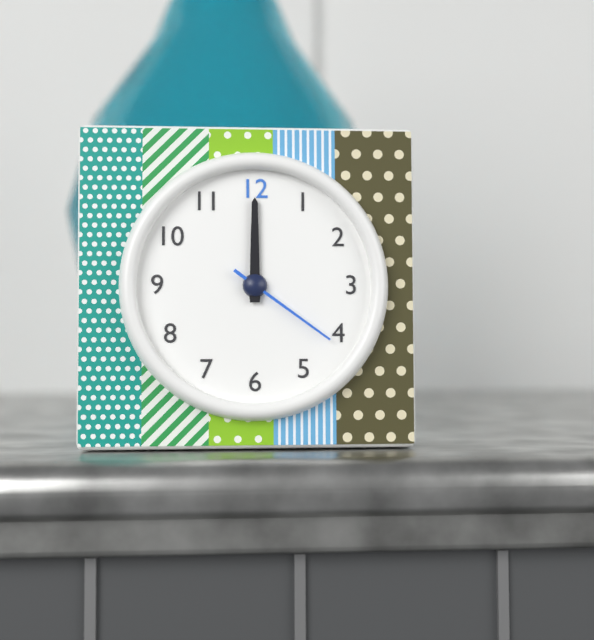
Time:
12h00m21s
